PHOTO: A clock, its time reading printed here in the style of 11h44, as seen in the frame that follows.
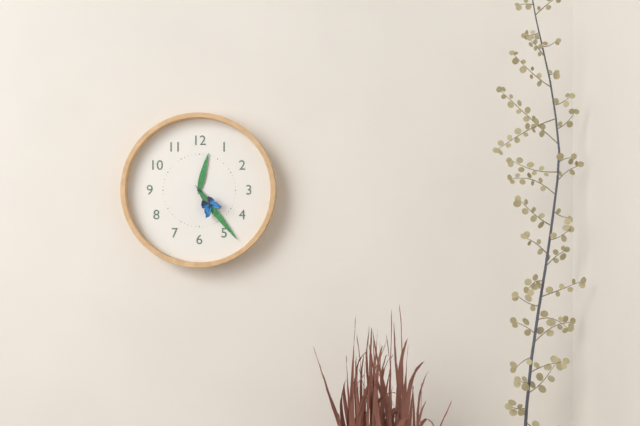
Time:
12h24
